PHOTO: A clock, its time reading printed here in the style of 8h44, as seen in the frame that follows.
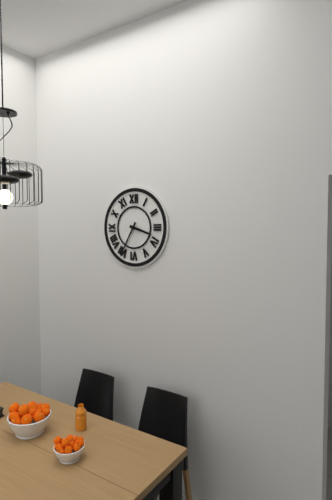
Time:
3h35
